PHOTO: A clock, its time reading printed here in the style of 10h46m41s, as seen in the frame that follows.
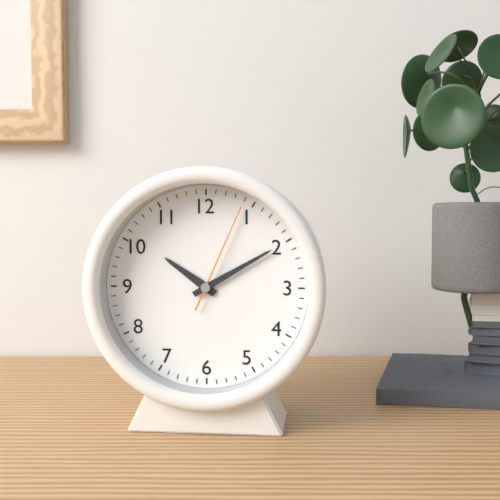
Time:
10h10m04s
